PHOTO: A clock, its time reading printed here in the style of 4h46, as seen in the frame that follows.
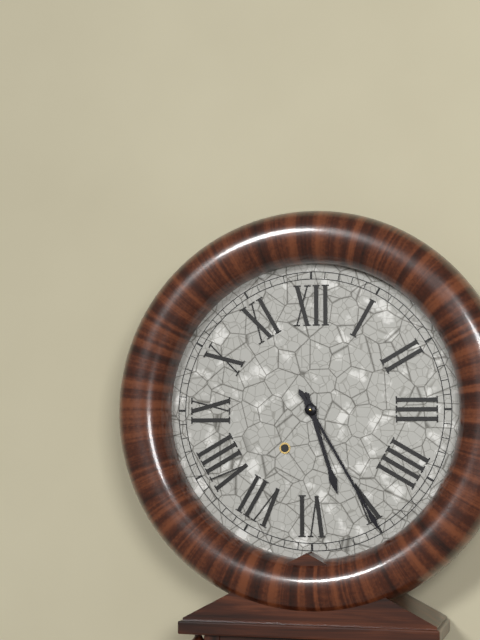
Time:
5h25
